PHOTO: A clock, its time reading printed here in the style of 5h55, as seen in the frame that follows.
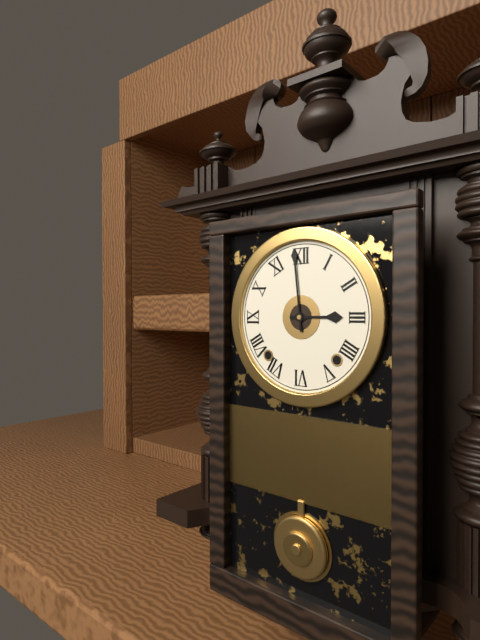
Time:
2h59
